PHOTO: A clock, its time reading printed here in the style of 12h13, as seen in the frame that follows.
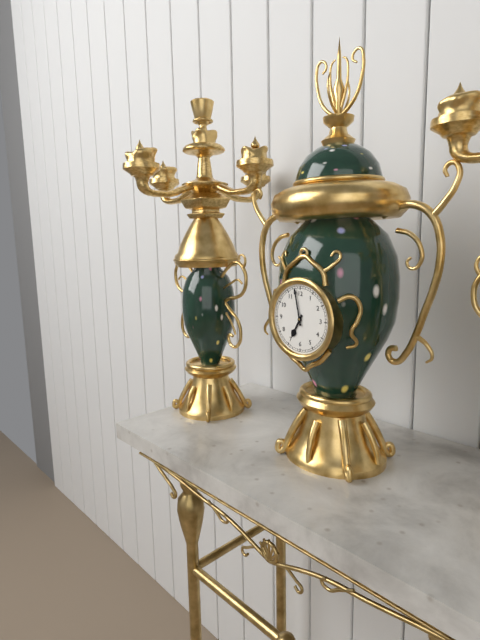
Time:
6h58
